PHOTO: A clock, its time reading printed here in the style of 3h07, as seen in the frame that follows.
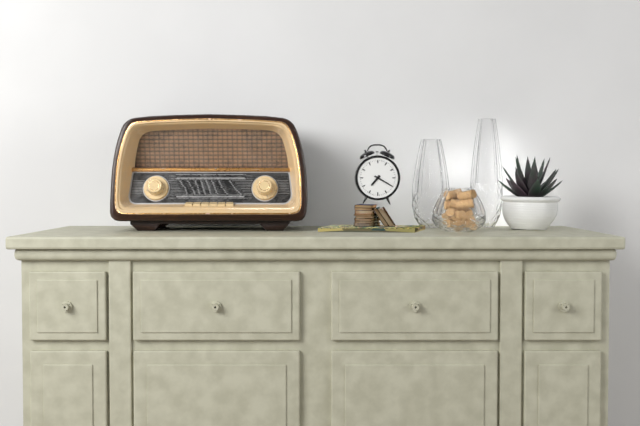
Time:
7h20
